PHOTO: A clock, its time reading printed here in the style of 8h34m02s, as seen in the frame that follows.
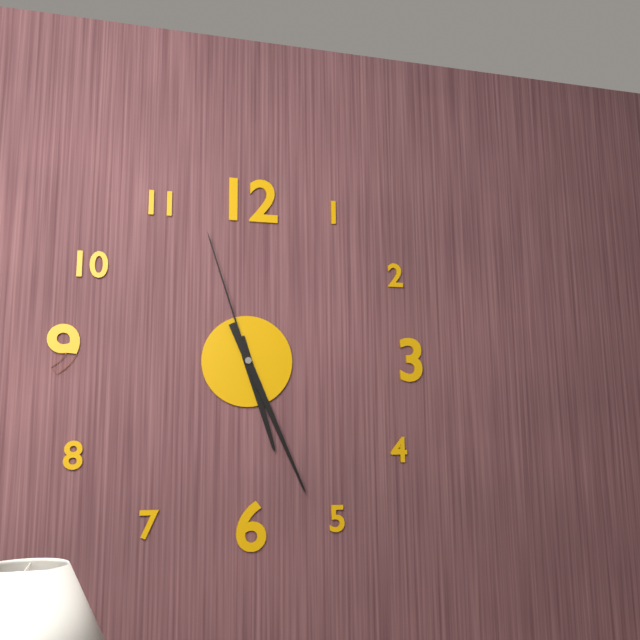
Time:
5h26m57s
